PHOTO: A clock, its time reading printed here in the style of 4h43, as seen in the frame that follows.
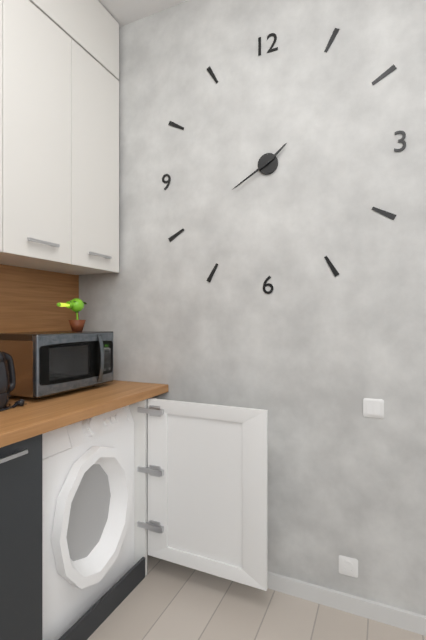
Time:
1h40
